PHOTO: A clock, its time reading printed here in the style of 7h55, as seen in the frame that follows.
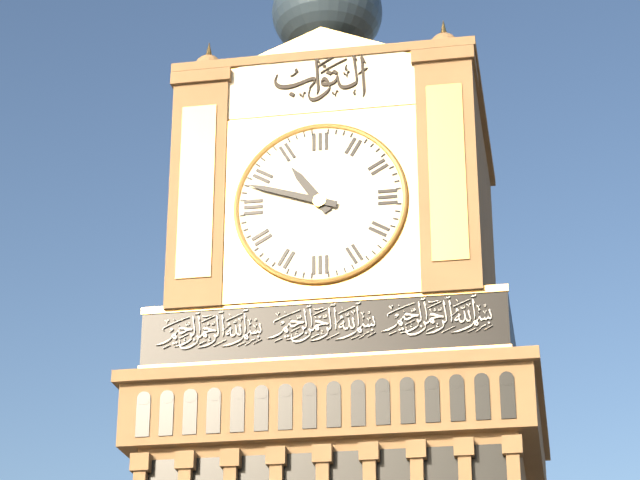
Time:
10h48
